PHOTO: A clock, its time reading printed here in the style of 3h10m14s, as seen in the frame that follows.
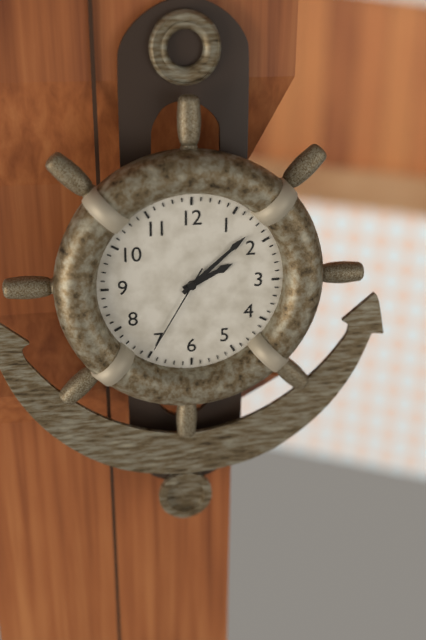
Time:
2h08m35s
